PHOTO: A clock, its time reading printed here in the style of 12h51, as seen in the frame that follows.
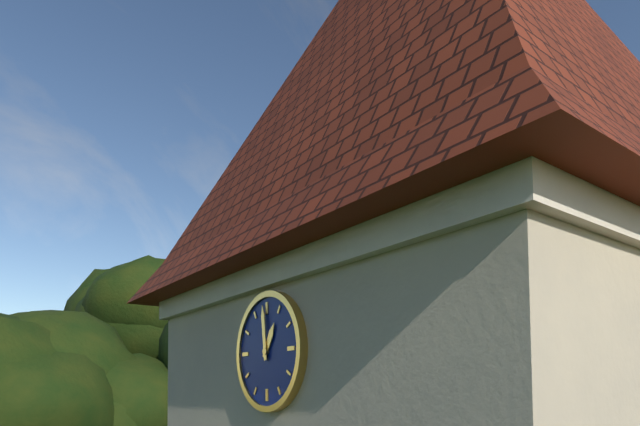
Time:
12h59
